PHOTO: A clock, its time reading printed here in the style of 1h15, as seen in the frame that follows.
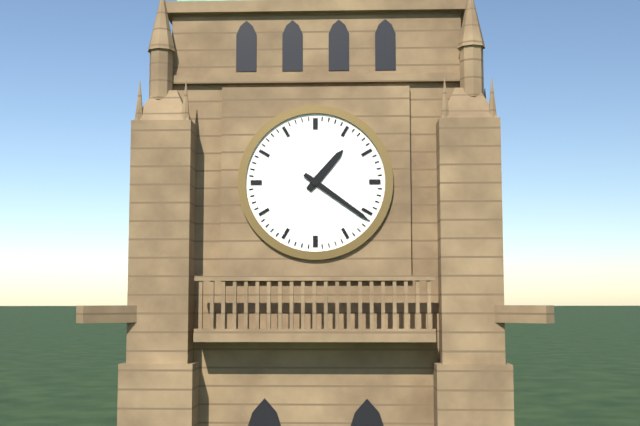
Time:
1h21
